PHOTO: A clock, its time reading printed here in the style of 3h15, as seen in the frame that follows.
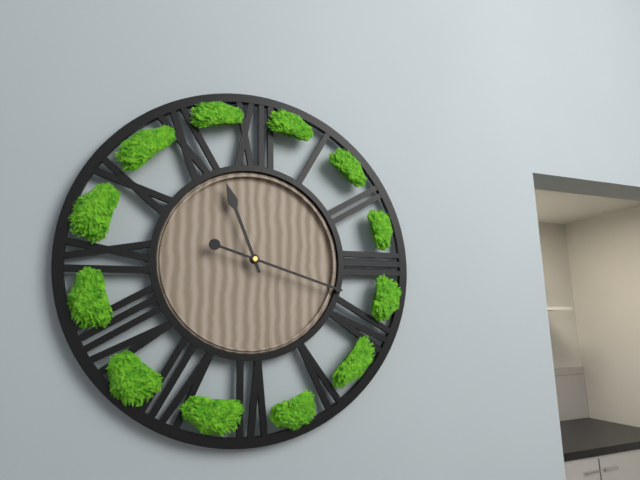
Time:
11h18
